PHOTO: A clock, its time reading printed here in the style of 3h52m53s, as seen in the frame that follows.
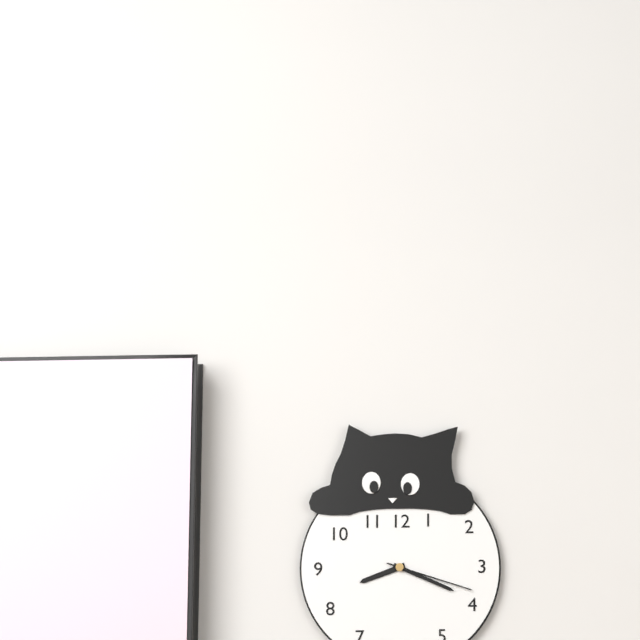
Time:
8h19m18s
